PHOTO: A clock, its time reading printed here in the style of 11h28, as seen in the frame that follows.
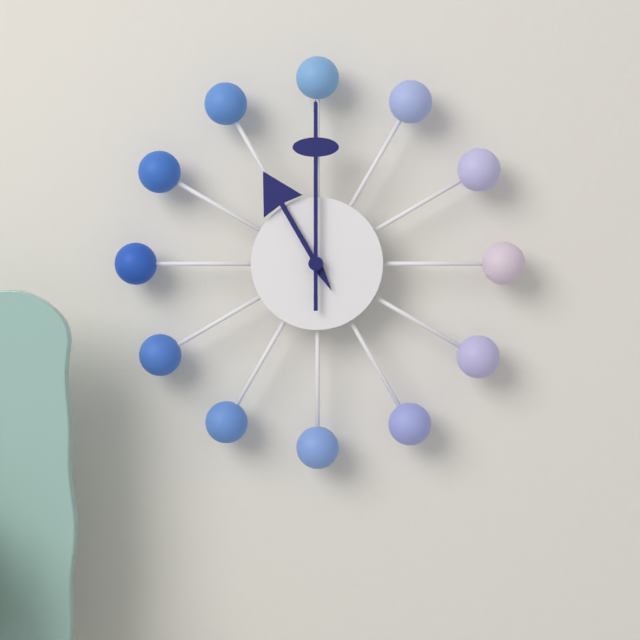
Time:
11h00
